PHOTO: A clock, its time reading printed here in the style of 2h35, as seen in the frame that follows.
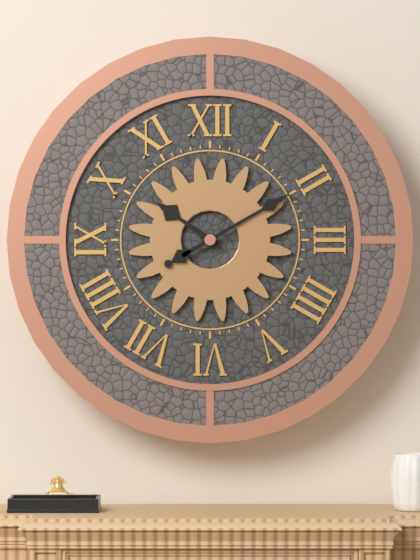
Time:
10h10
